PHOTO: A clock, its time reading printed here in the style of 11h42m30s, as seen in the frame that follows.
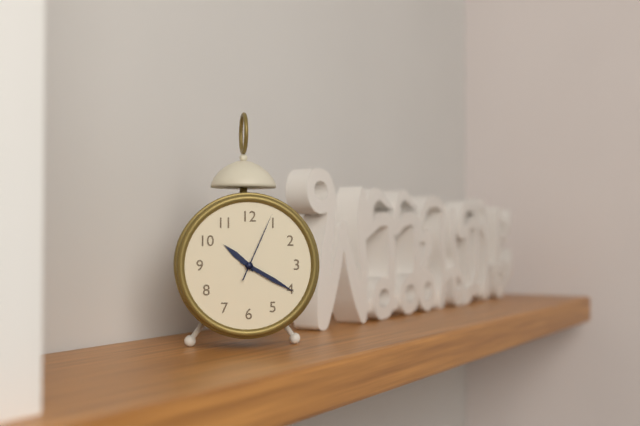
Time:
10h20m04s
